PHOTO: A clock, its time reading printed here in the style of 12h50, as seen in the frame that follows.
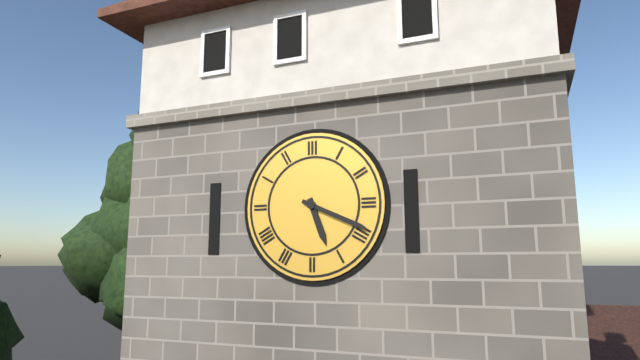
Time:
5h19
